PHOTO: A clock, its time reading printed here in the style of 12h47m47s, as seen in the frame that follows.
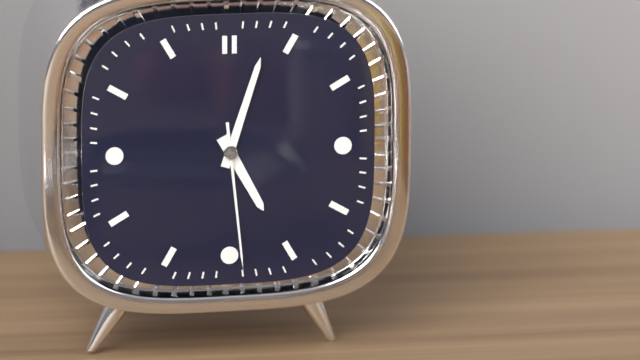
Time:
5h03m29s
